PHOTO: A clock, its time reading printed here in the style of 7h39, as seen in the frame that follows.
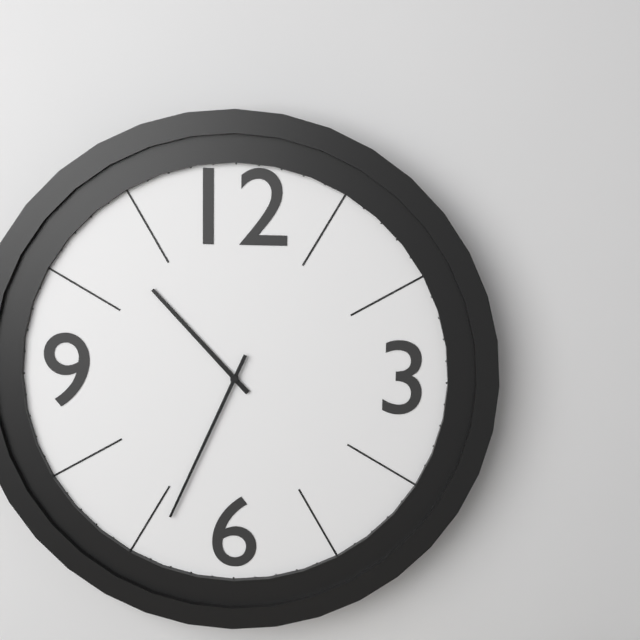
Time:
10h34
